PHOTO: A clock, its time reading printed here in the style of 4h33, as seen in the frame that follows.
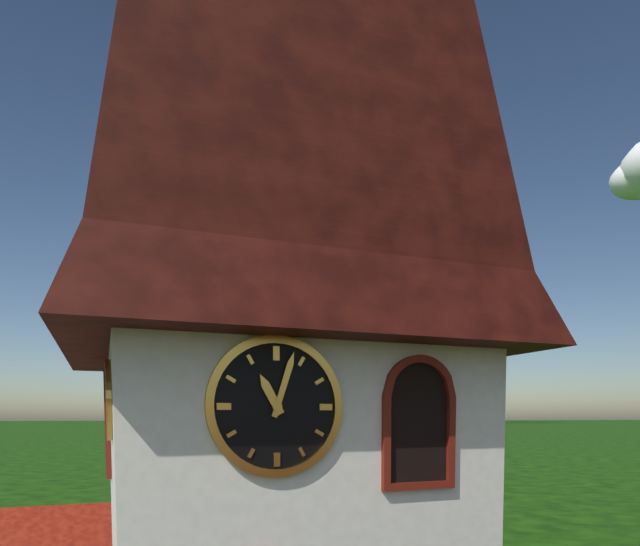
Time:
11h03
